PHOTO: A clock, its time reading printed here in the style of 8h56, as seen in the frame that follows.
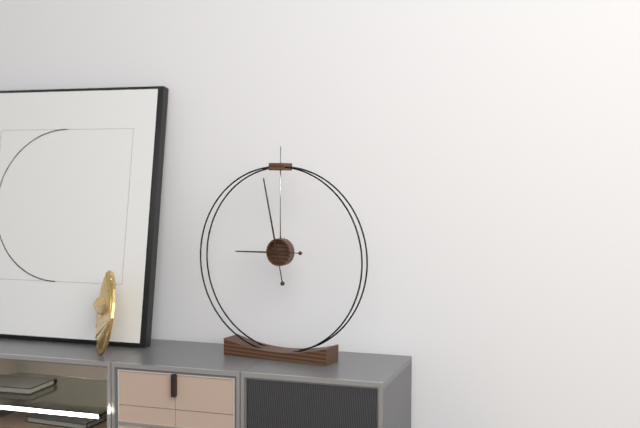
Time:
8h58
